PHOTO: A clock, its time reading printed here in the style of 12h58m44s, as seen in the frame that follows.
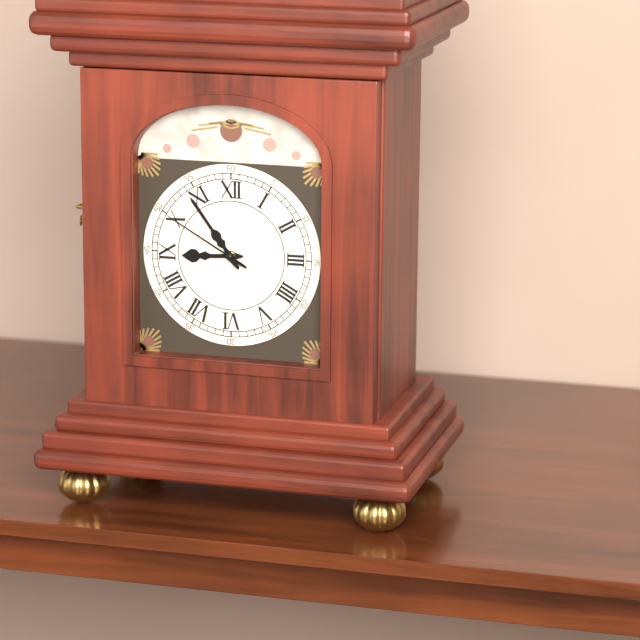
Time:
8h54m50s
